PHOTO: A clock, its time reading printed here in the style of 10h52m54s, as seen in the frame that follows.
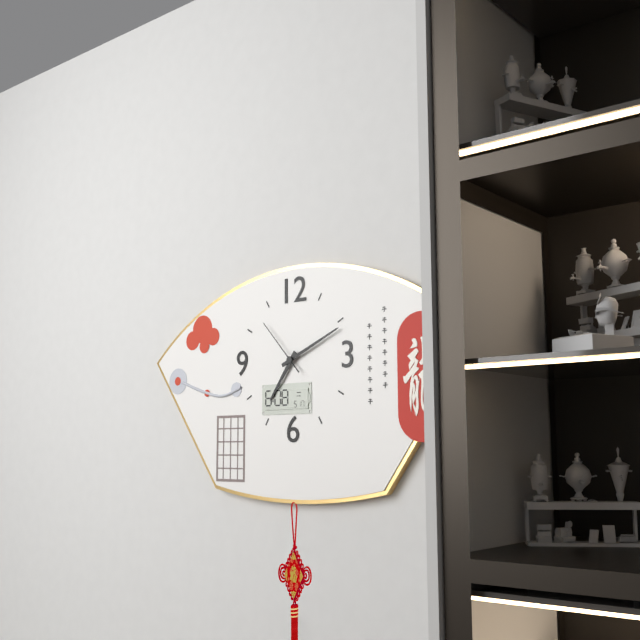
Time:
7h11m53s
